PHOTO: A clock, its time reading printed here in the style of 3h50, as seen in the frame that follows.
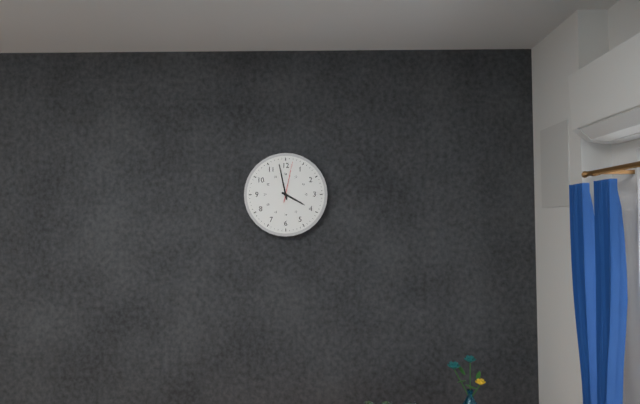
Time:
3h58
